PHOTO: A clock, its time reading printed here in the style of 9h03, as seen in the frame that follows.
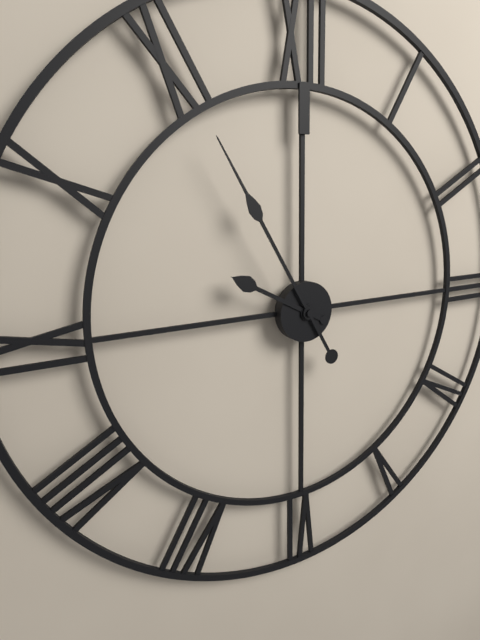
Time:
9h55
